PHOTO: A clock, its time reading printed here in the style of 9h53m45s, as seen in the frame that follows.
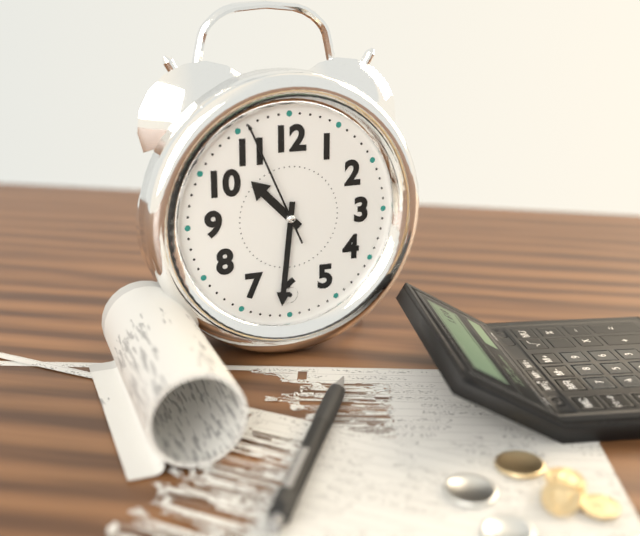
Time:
10h31m56s
